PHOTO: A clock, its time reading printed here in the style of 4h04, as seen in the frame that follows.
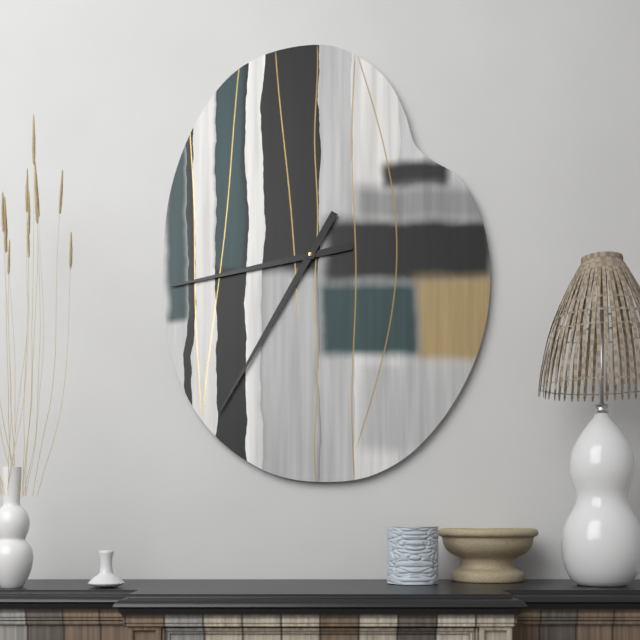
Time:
8h35
